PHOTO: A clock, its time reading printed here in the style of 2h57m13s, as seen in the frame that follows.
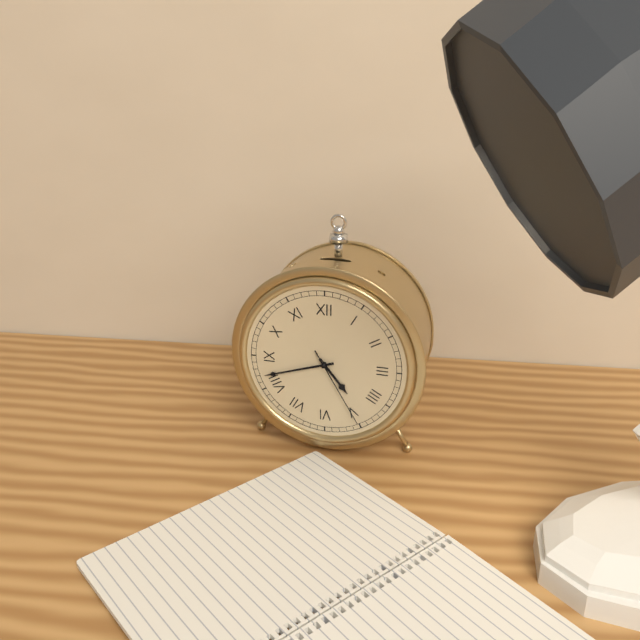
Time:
4h42m25s
